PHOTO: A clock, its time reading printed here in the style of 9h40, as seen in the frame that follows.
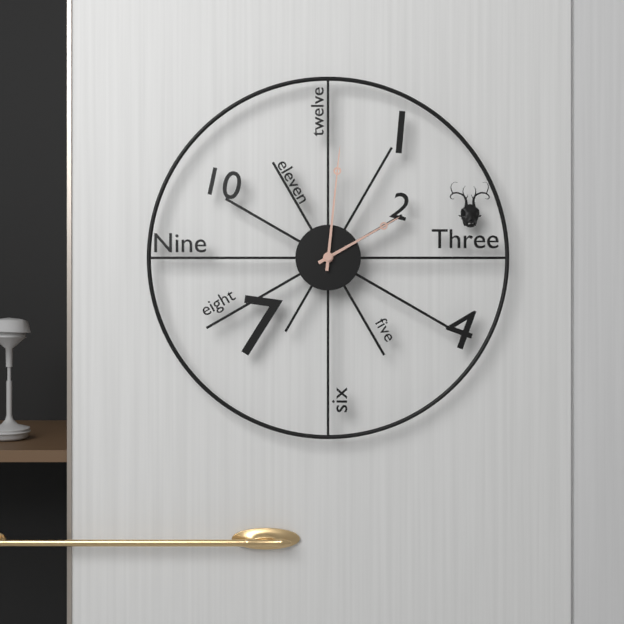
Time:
2h01
